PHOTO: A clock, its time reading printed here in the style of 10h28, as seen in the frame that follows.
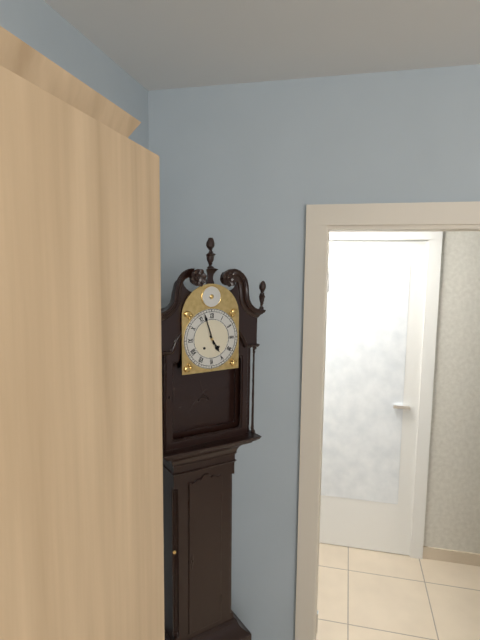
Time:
4h57
